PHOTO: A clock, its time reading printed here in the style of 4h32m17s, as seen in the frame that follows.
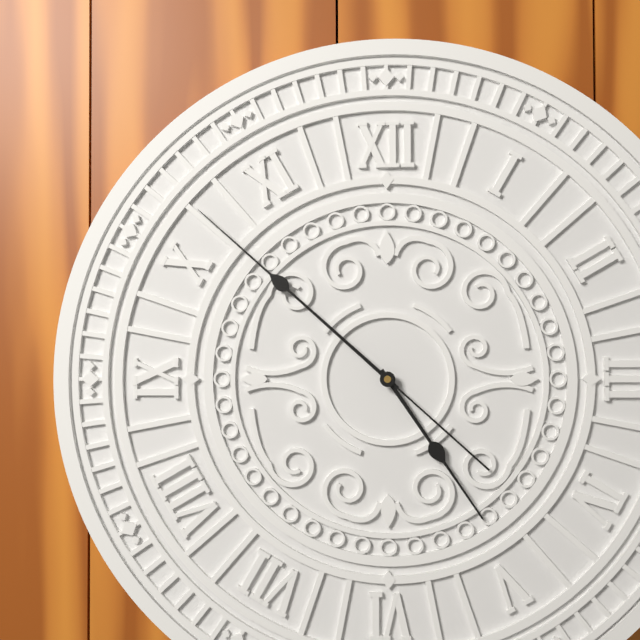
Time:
4h52m52s
